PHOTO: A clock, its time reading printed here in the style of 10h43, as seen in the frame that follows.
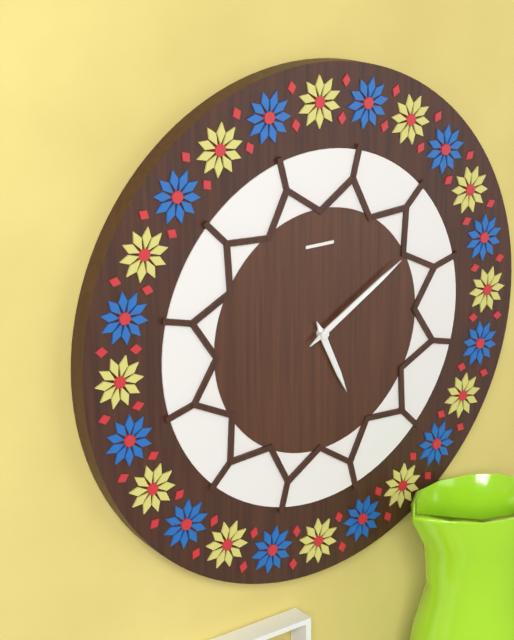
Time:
5h10
